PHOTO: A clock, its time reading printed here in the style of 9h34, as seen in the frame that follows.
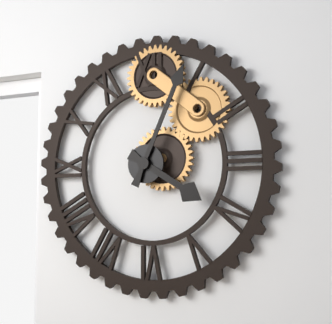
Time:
4h04
